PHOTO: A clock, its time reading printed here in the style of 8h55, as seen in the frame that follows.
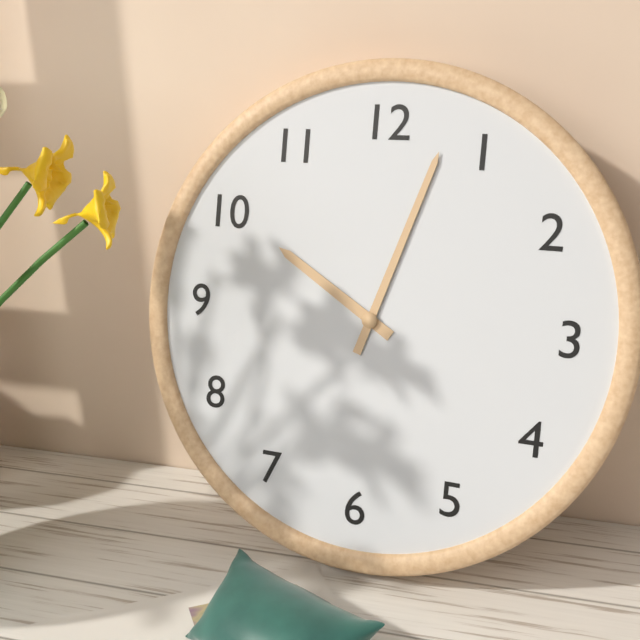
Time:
10h03
